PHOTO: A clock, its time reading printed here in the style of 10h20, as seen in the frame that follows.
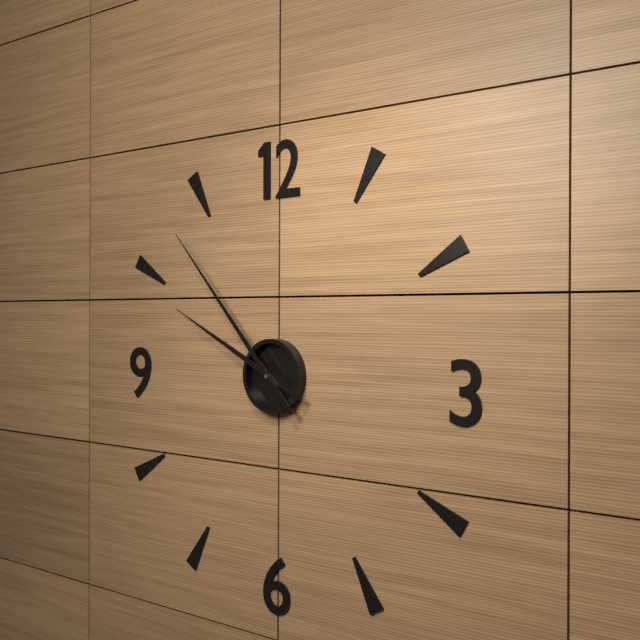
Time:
9h53
